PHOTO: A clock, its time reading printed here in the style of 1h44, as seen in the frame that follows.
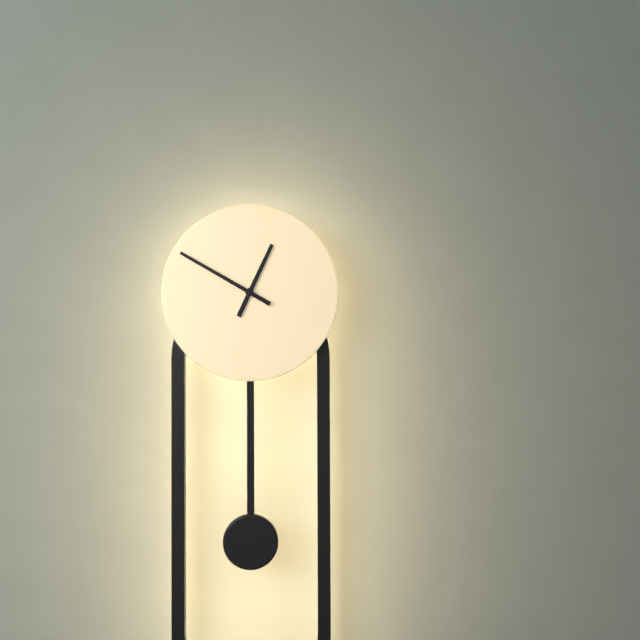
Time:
12h50
